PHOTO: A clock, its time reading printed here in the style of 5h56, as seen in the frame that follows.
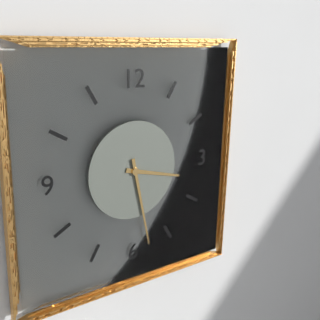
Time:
3h28
